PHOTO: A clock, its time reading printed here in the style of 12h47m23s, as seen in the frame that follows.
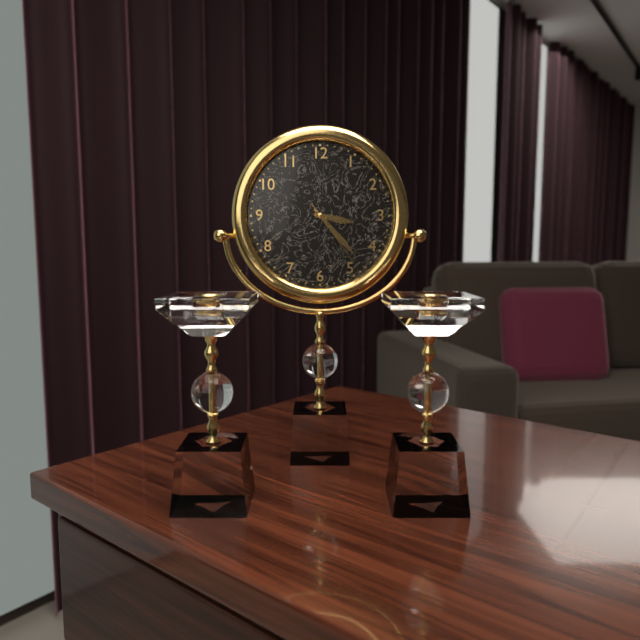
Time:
3h23m24s
